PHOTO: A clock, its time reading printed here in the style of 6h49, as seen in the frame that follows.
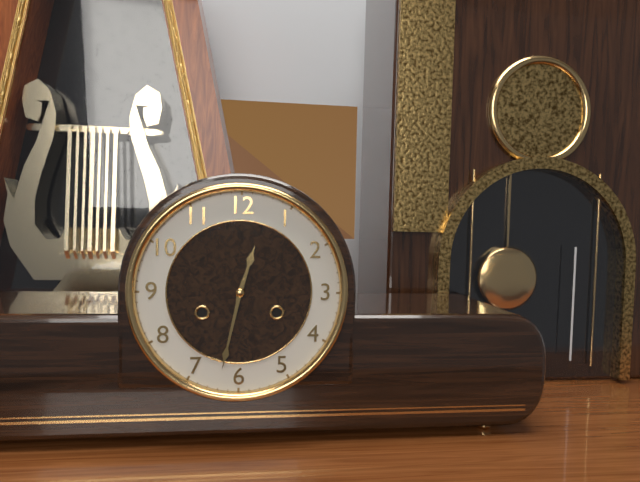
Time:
12h32
